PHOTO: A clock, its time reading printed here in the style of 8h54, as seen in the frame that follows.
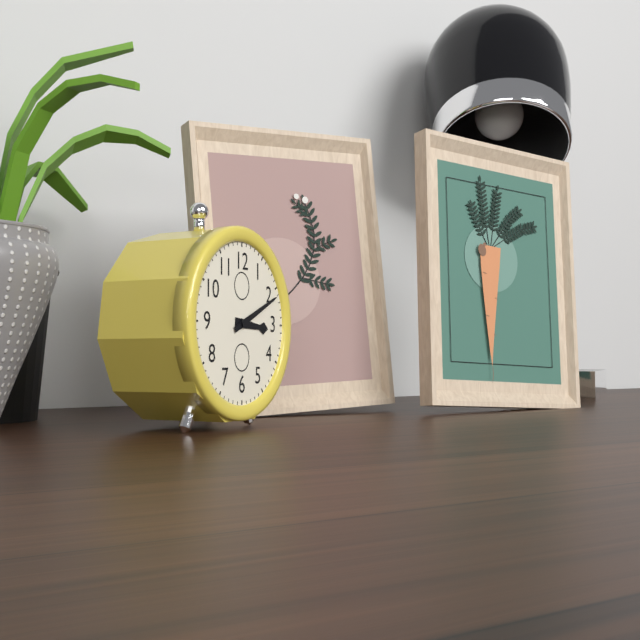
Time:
3h11
